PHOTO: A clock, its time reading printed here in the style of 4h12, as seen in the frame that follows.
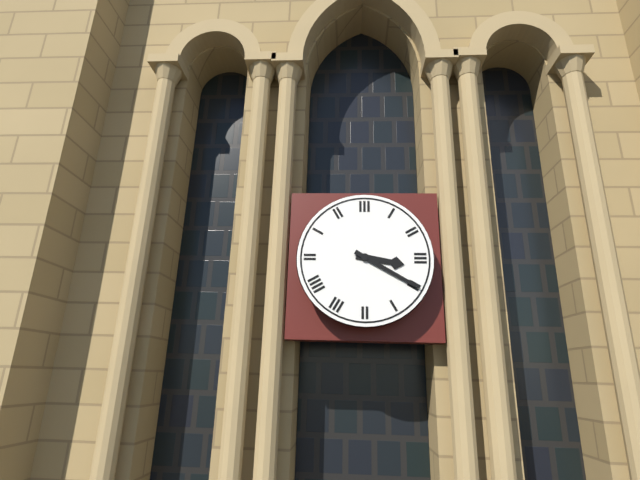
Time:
3h20
